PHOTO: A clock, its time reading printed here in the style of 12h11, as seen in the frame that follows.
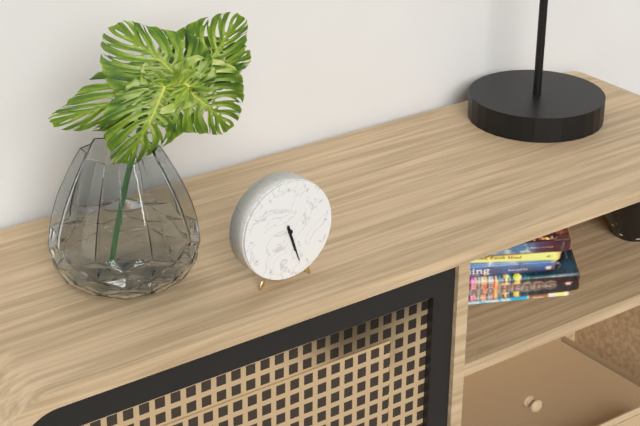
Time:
5h27
